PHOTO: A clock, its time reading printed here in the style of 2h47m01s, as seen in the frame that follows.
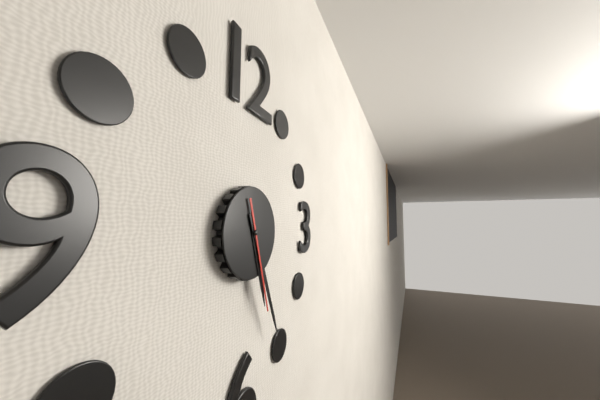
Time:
5h26m27s
